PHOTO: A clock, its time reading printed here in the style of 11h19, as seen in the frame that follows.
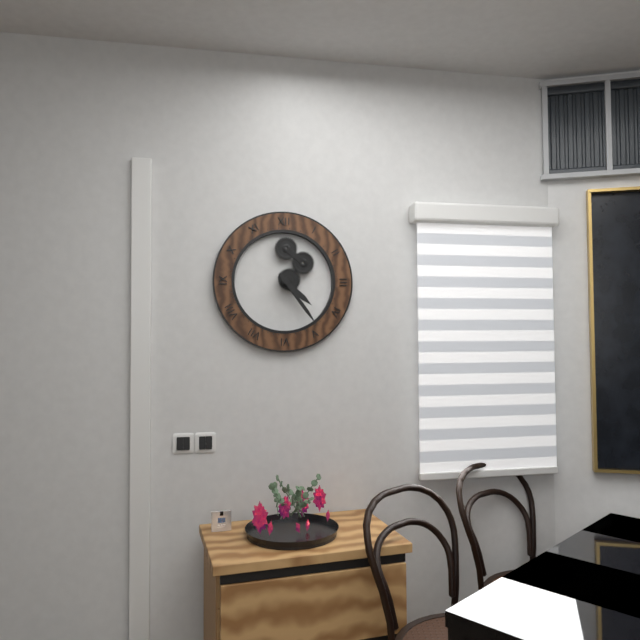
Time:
4h24
